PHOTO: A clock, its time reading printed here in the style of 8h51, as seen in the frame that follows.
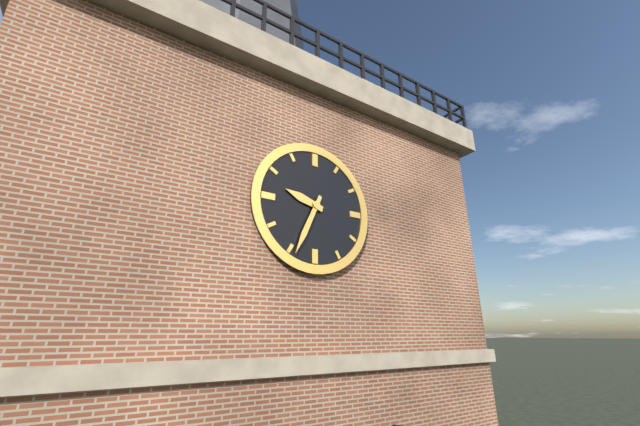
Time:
9h34
